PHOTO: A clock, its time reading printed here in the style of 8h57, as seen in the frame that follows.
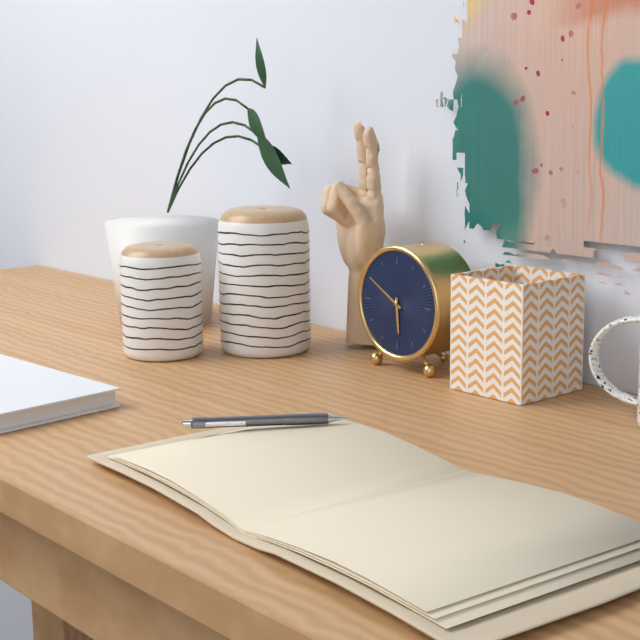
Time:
5h50
